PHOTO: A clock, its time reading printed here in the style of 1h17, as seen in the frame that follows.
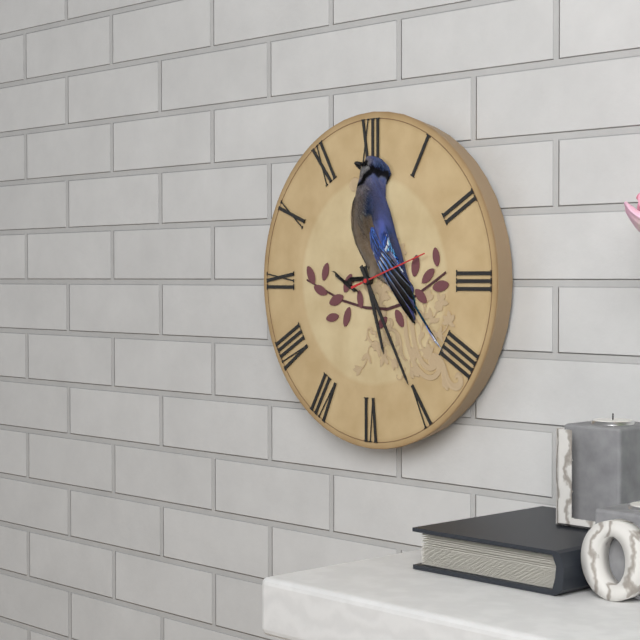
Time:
5h25
